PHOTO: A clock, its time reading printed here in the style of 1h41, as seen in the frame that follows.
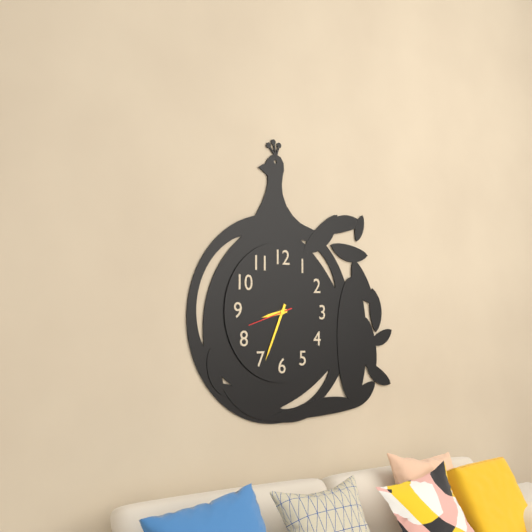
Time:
8h34
